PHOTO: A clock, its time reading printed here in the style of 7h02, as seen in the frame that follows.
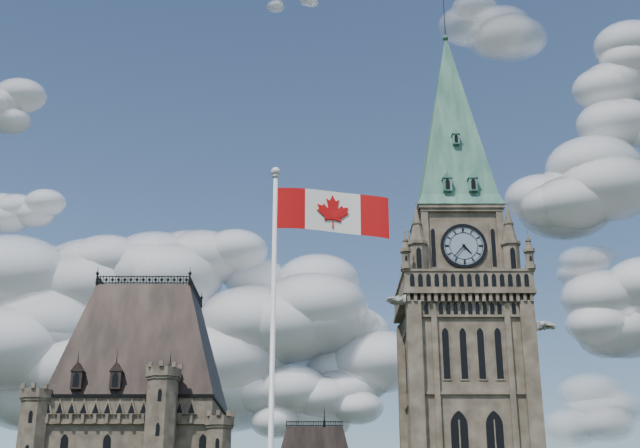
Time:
4h37
